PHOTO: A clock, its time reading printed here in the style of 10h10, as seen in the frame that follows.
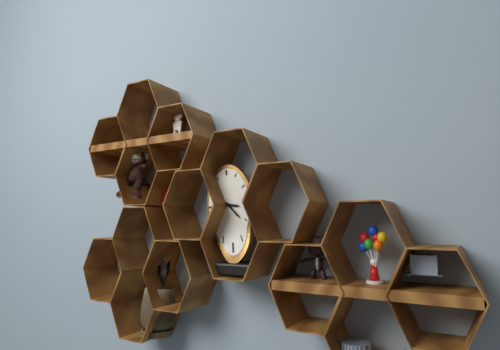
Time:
3h23
